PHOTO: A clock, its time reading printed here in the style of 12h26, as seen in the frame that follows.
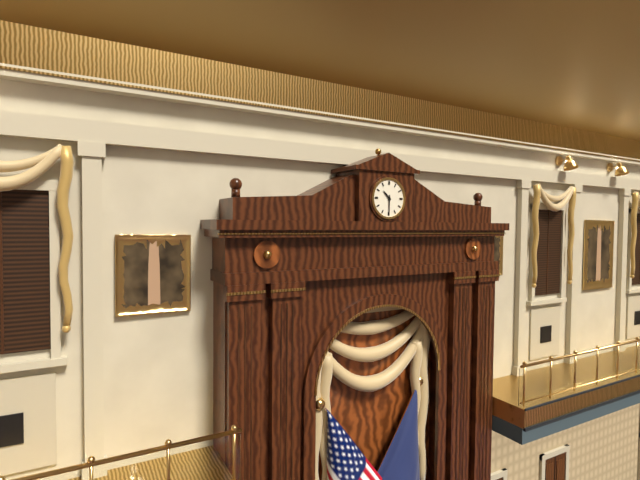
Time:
10h30
